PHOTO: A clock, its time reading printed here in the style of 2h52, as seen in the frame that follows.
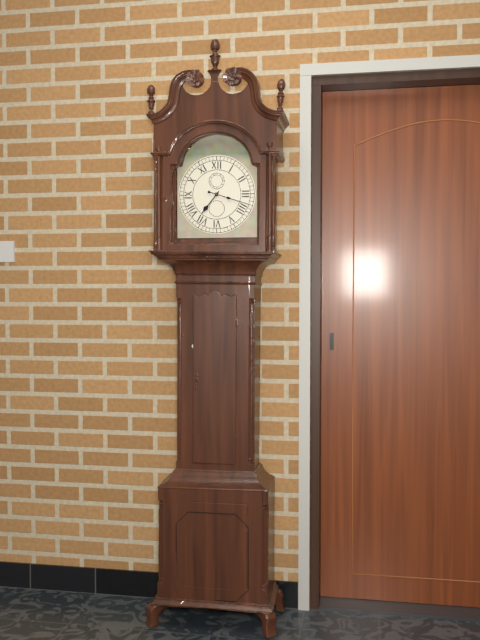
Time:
7h18
